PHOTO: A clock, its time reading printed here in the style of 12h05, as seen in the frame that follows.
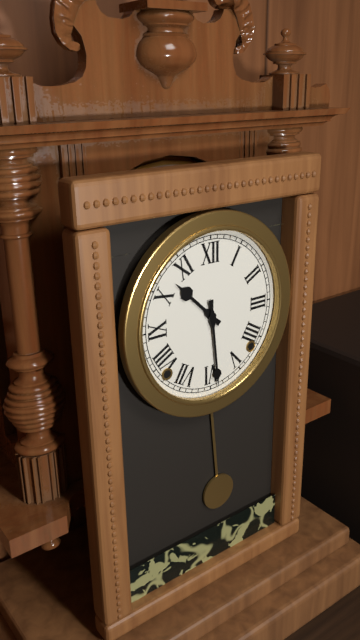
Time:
10h29
